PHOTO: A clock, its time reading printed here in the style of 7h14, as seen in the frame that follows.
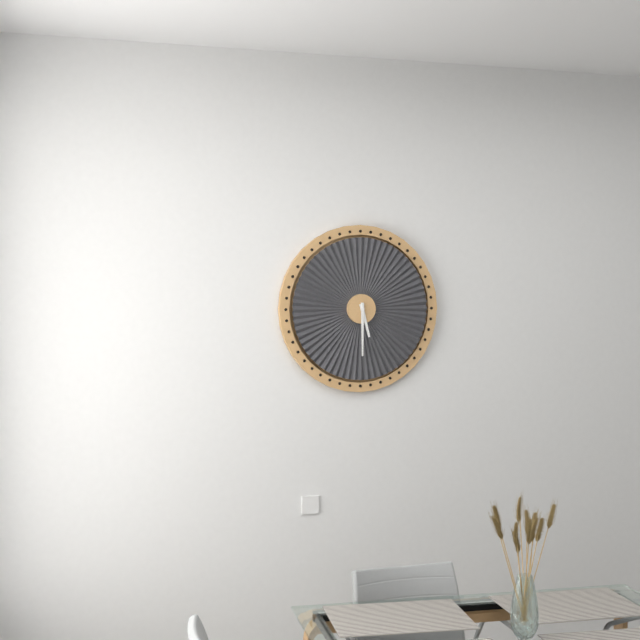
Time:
5h30
